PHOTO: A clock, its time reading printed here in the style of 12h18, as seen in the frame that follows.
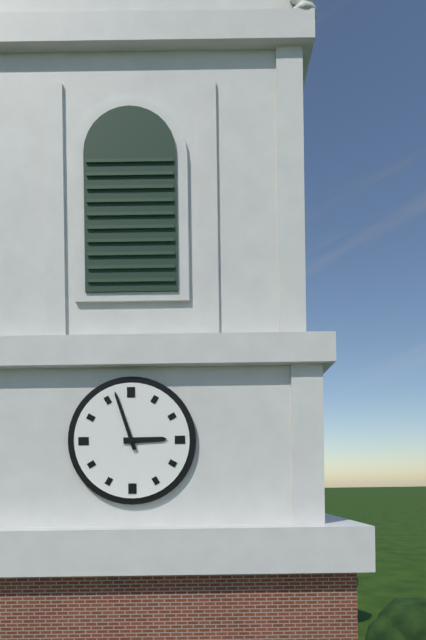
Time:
2h57
